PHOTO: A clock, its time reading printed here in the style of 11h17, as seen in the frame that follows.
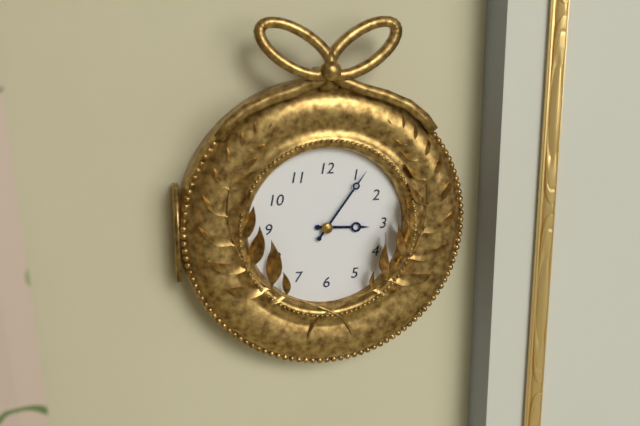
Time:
3h06
